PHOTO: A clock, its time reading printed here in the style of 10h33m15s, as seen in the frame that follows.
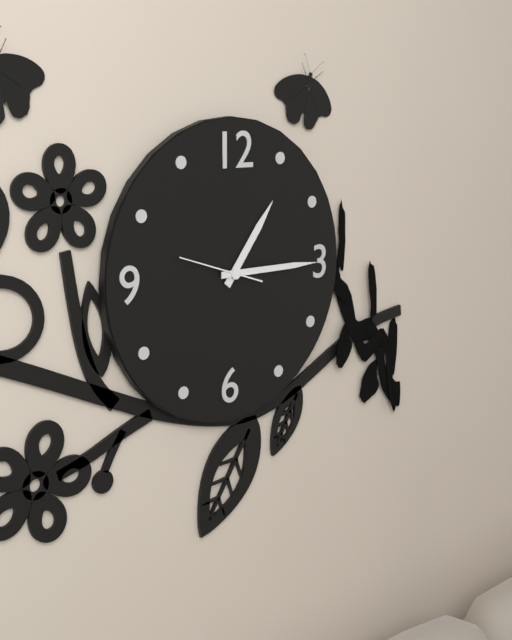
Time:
1h15m48s
